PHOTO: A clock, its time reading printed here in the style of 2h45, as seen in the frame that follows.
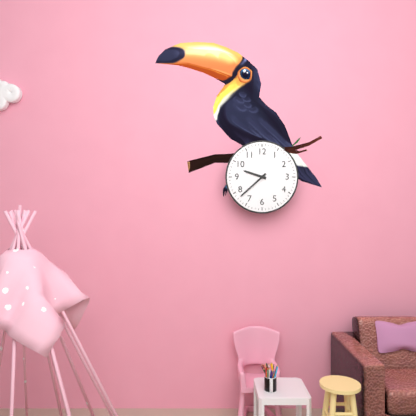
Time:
9h38
